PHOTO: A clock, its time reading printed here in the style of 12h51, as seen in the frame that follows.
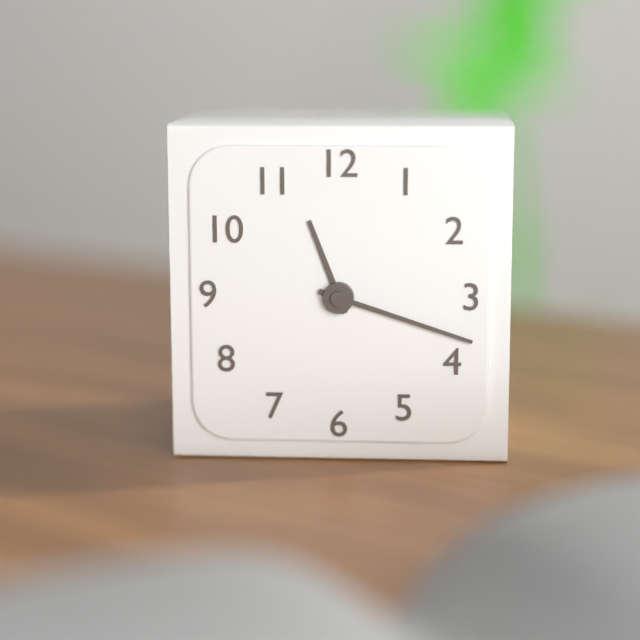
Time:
11h18
